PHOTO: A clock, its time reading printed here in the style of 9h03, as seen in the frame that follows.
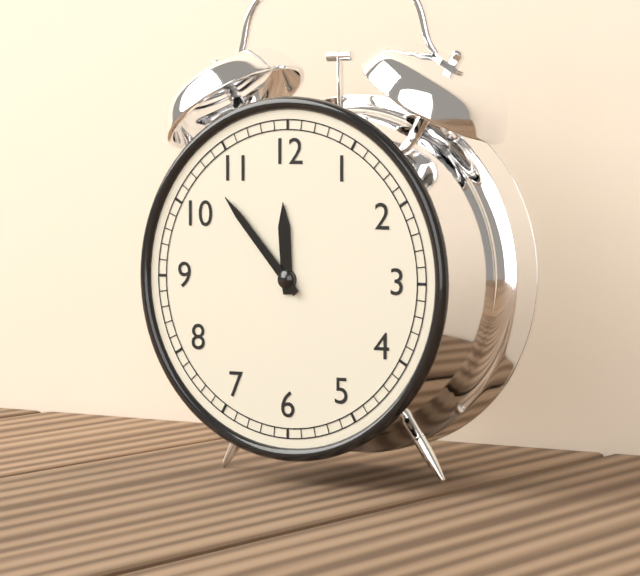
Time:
11h53
